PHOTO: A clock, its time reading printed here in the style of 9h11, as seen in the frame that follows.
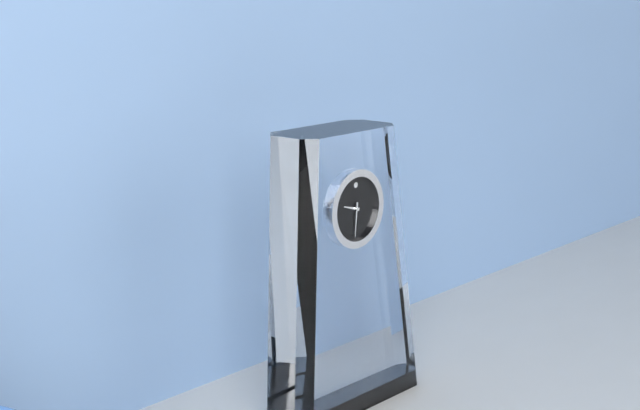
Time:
9h31
